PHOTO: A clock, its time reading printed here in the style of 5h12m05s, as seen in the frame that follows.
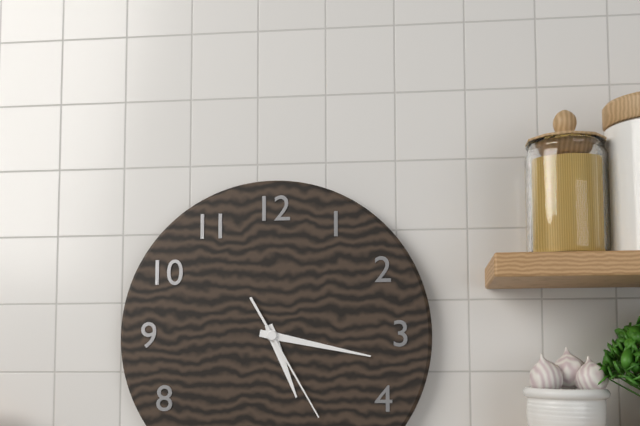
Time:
5h17m25s
